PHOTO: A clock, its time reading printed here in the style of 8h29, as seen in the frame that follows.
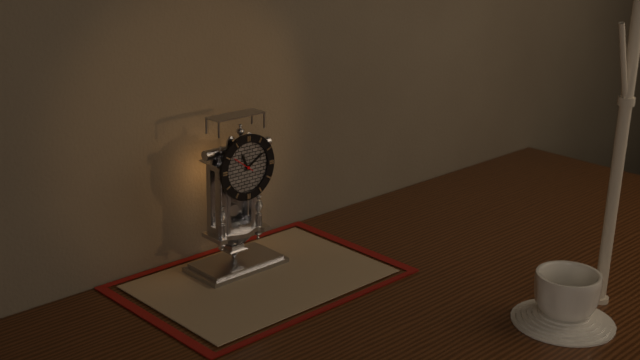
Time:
11h10
